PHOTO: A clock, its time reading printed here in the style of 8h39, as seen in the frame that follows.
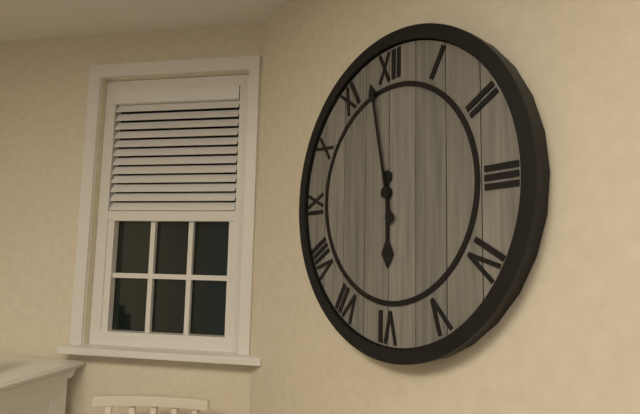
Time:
5h58
